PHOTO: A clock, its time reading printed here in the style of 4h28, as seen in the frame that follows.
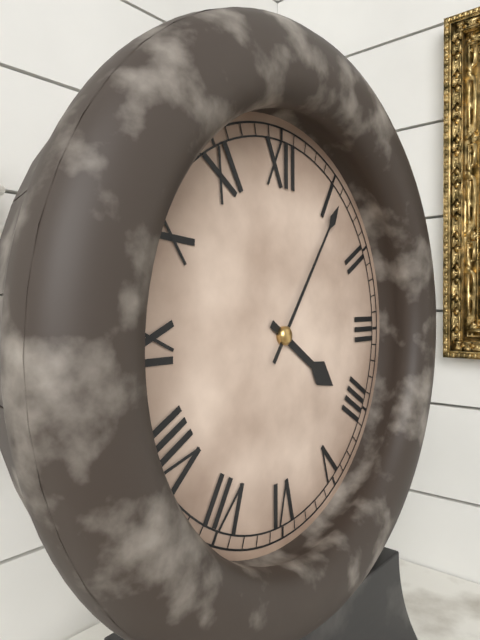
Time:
4h06
